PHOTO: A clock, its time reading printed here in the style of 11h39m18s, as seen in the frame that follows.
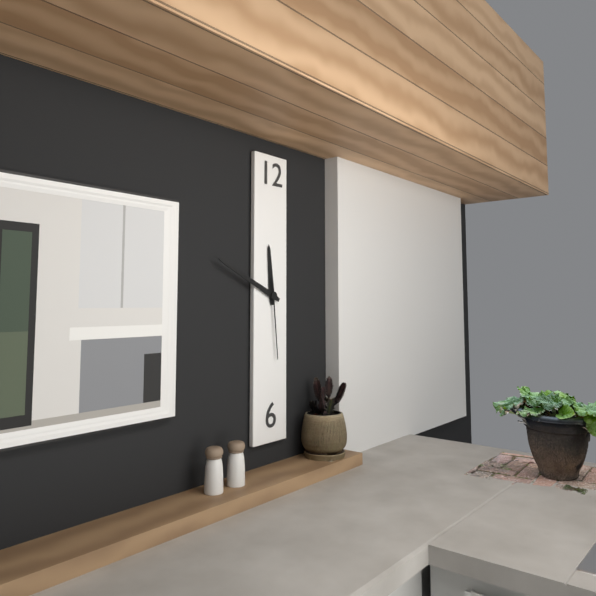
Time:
11h49m29s
